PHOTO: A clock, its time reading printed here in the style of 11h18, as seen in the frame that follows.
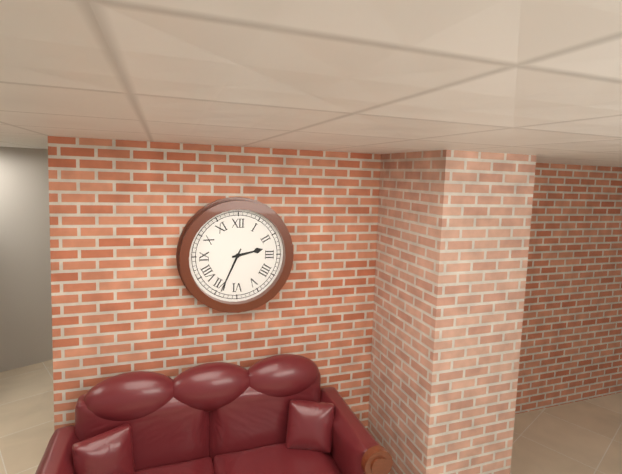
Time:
2h34
